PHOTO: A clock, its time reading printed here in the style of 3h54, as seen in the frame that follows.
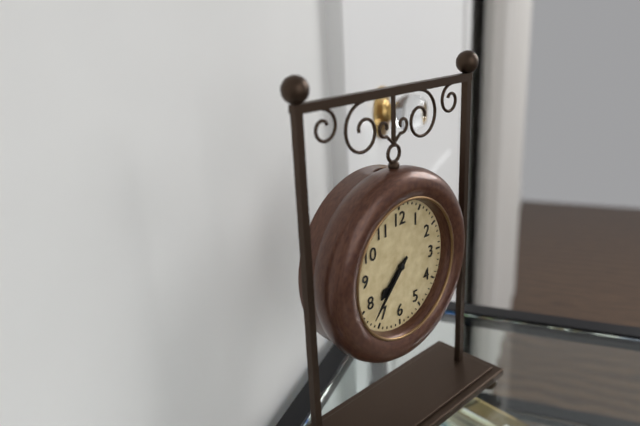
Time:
7h37
